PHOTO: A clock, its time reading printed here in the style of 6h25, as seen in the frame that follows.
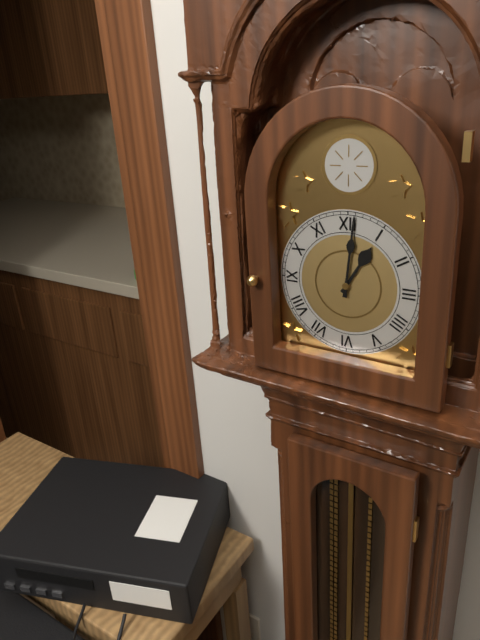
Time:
1h01
